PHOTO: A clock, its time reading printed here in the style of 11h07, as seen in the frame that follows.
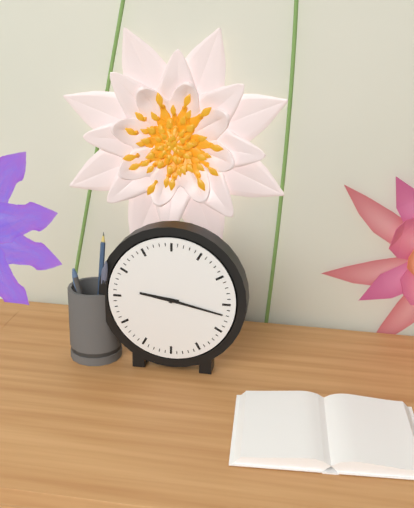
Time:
9h17
